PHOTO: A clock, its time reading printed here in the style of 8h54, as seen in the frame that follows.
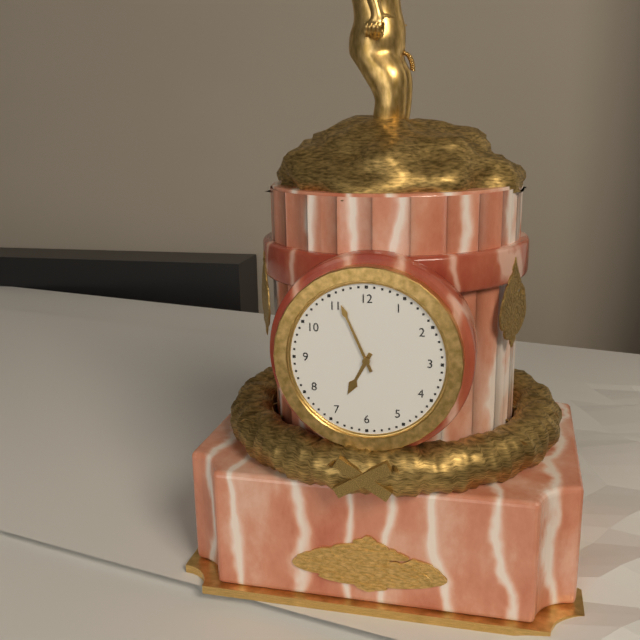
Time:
6h56
